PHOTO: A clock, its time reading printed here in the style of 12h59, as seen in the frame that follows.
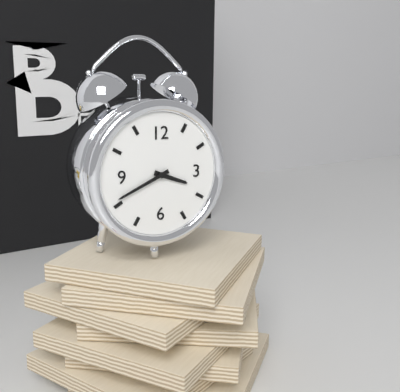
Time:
3h41
